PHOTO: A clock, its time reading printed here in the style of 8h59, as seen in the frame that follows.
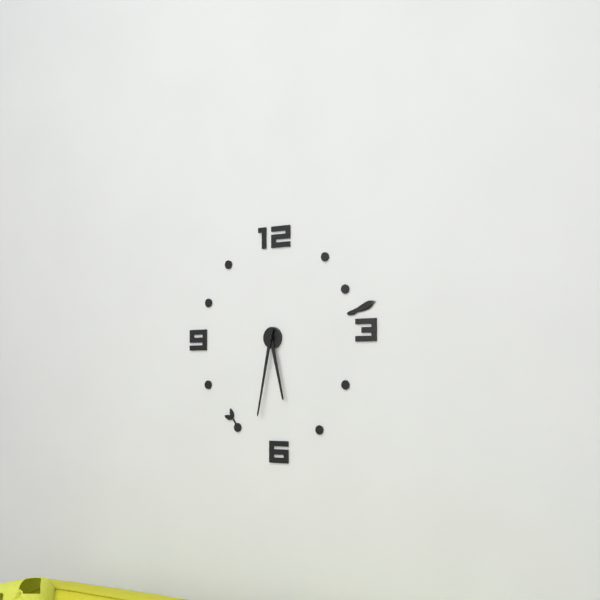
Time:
5h32
